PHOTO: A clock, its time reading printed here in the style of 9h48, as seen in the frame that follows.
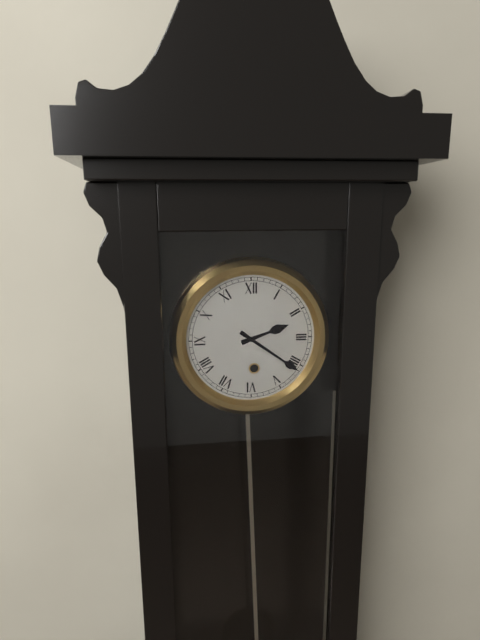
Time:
2h21
